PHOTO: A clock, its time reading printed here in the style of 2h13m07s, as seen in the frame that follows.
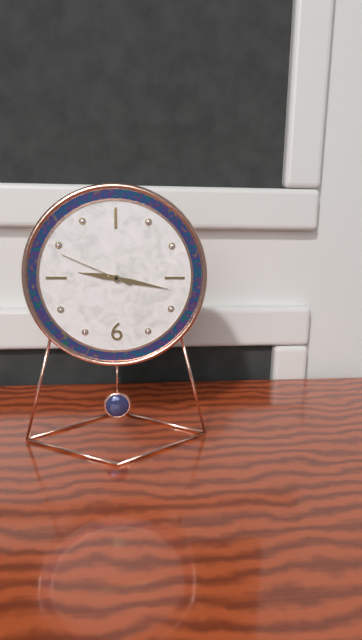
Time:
9h17m49s
